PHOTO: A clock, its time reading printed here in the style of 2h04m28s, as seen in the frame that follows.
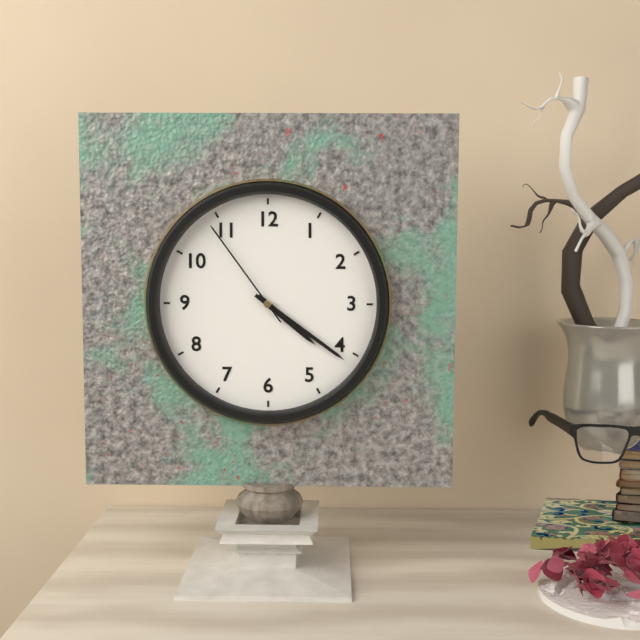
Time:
4h21m54s
